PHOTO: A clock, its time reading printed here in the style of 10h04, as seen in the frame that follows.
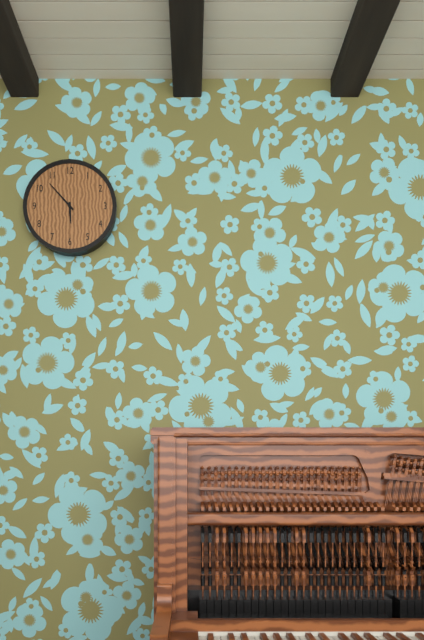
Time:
5h53
